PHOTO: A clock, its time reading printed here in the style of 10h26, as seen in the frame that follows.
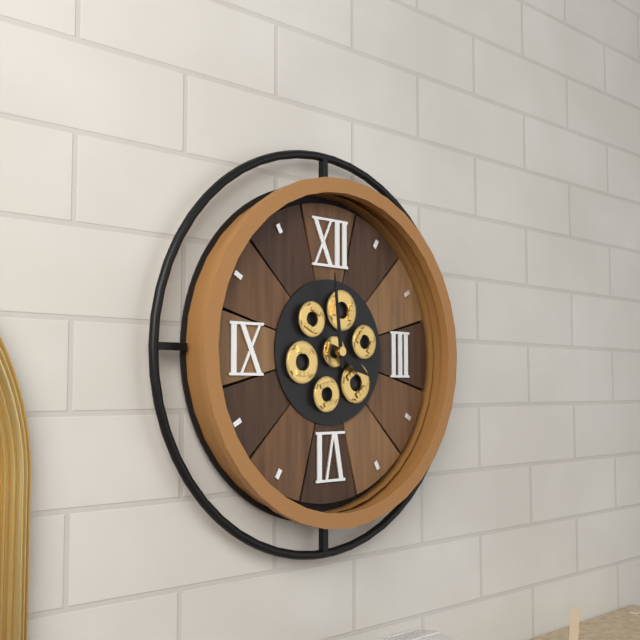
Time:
3h59
